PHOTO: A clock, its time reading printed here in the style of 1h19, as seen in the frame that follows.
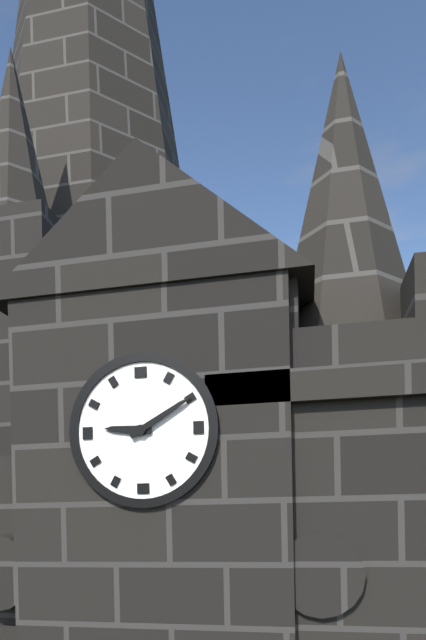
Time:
9h10
